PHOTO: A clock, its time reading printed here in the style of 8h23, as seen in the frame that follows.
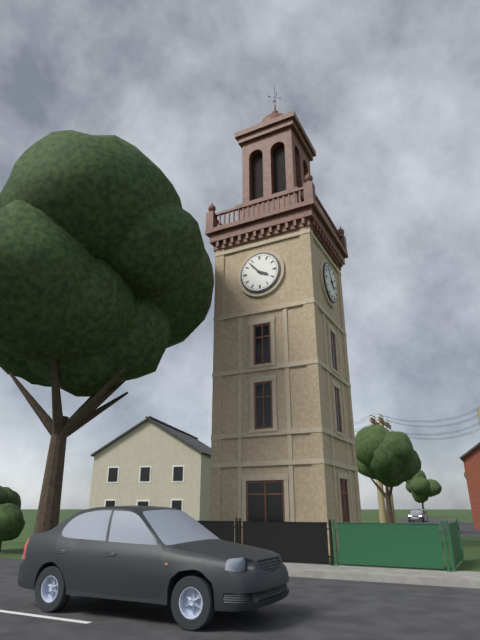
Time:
3h53
